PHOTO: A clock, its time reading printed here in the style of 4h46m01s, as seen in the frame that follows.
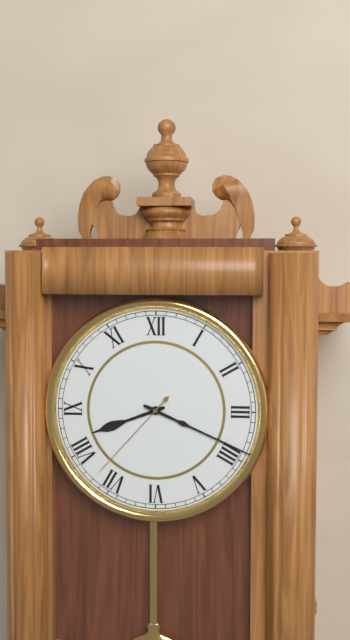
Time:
8h19m37s
